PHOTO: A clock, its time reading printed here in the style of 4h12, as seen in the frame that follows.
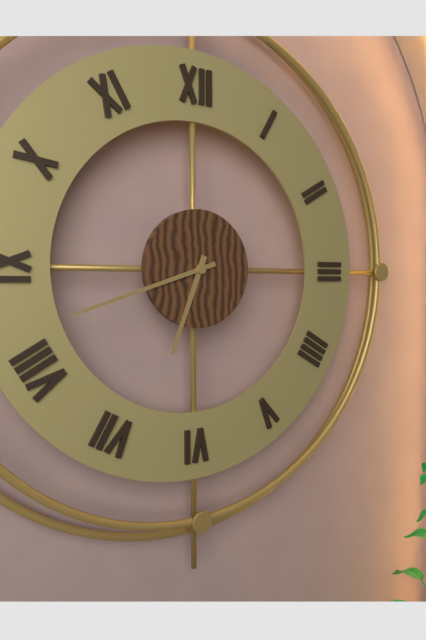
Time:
6h42
